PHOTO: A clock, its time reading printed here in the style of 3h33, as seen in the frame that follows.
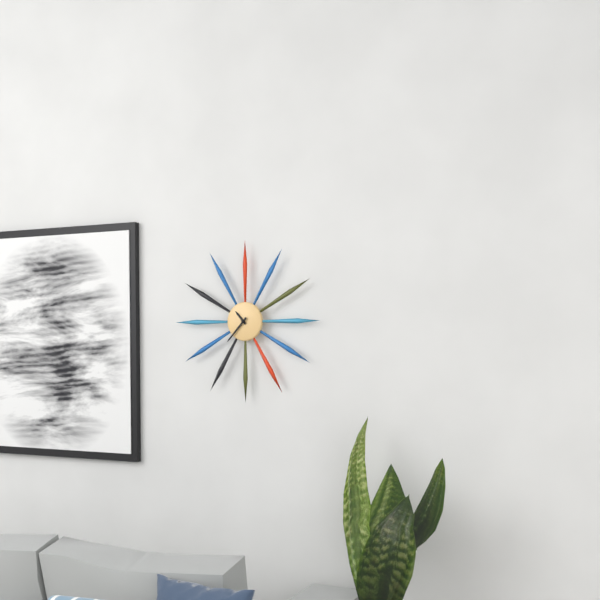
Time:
10h37
